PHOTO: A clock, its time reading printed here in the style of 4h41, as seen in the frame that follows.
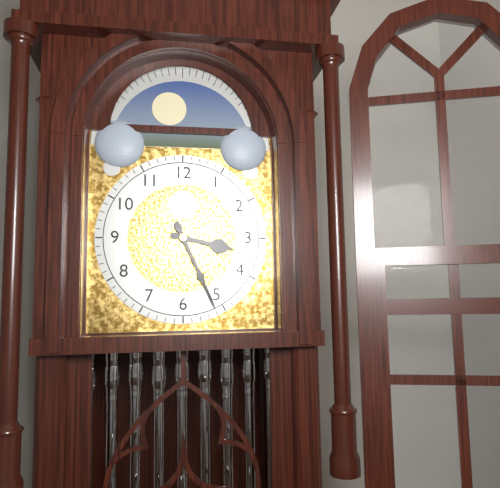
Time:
3h26
